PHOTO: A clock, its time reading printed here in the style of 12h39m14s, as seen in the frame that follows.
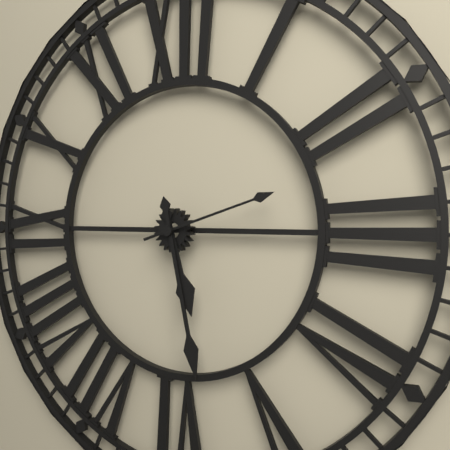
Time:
5h28m12s
